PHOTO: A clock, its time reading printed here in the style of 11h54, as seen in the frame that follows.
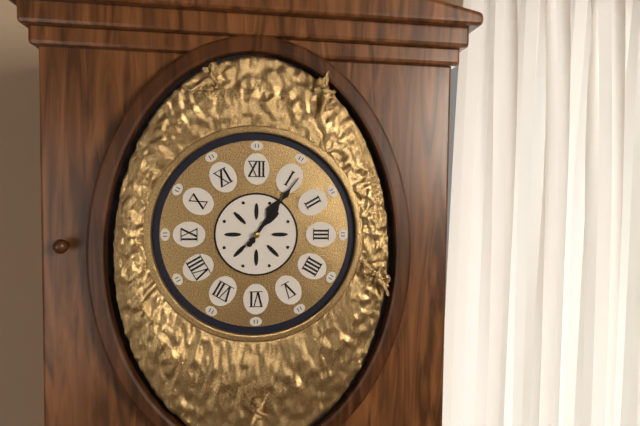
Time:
1h06
